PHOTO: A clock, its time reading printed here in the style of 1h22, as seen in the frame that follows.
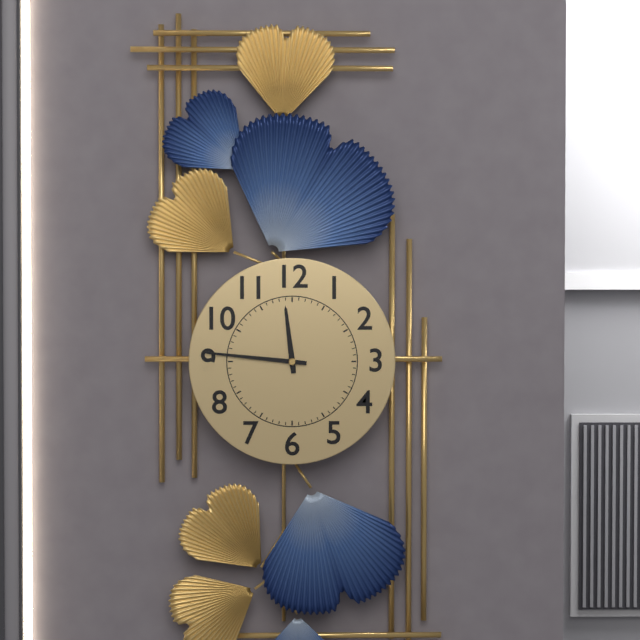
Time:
11h46
